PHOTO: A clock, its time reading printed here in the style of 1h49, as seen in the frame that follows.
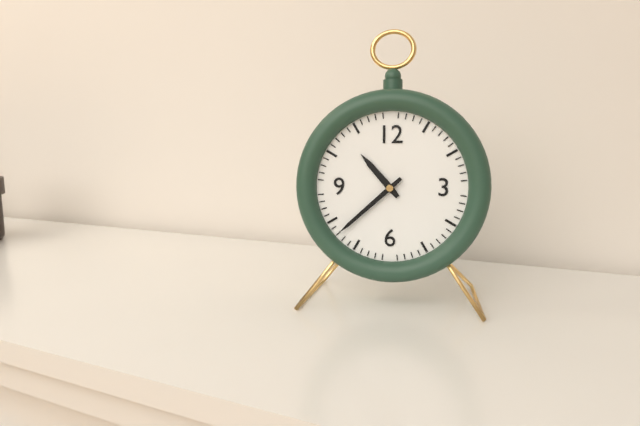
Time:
10h38
